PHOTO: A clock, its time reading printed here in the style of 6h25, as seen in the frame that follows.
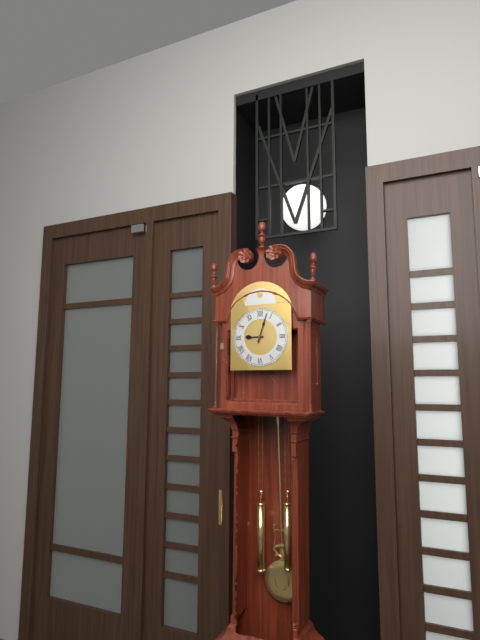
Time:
9h03
